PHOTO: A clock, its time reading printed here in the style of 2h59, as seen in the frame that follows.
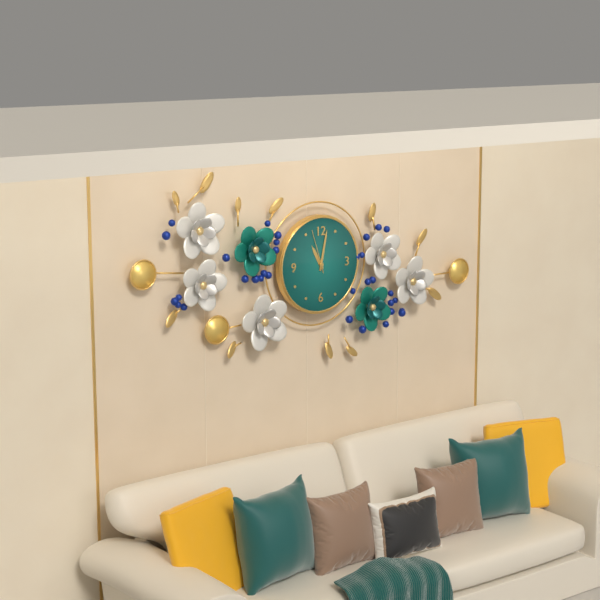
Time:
11h02
